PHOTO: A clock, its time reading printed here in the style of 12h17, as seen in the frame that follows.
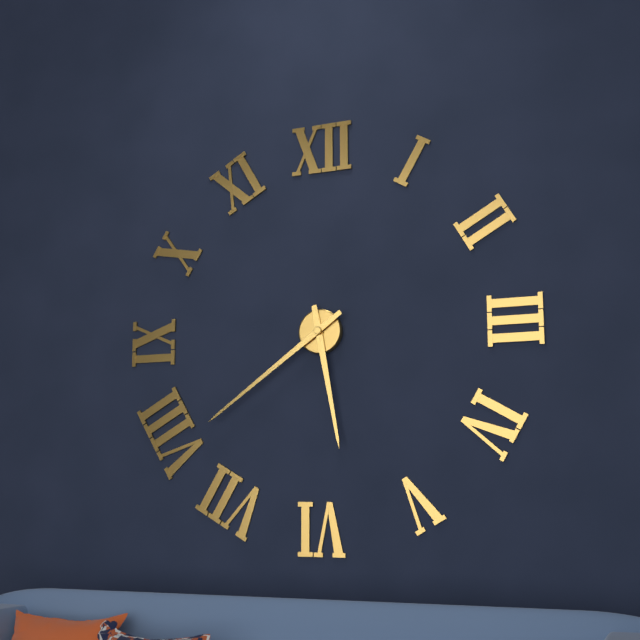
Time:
5h39
